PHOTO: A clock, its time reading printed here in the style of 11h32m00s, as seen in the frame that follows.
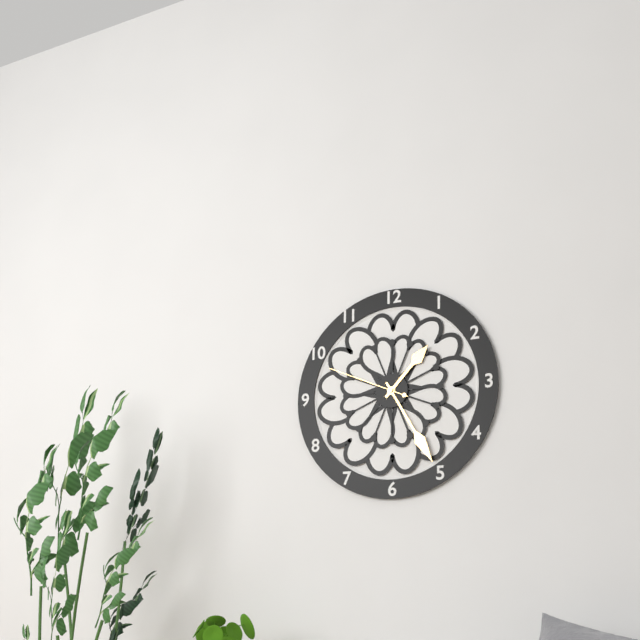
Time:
1h25m49s
